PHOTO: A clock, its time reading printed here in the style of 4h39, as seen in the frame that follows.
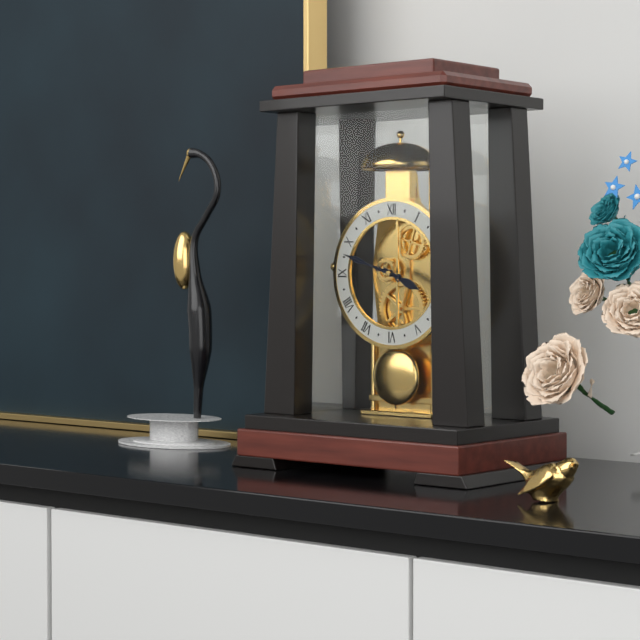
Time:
3h48
